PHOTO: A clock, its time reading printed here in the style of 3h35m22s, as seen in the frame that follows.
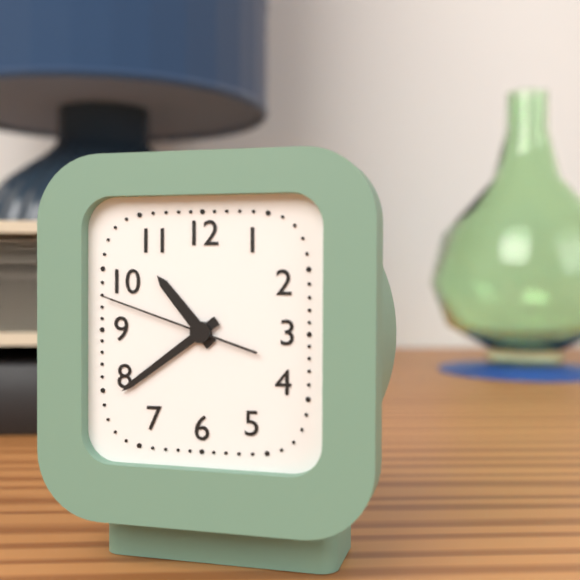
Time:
10h39m48s
